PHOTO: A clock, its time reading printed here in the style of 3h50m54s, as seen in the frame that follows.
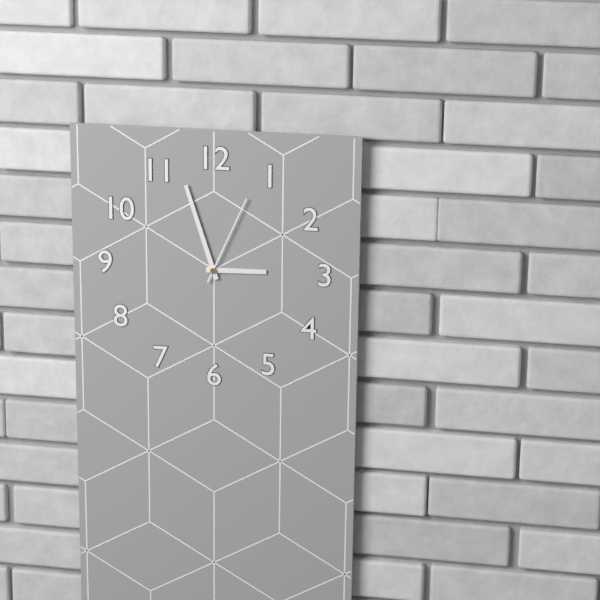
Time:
2h57m04s
